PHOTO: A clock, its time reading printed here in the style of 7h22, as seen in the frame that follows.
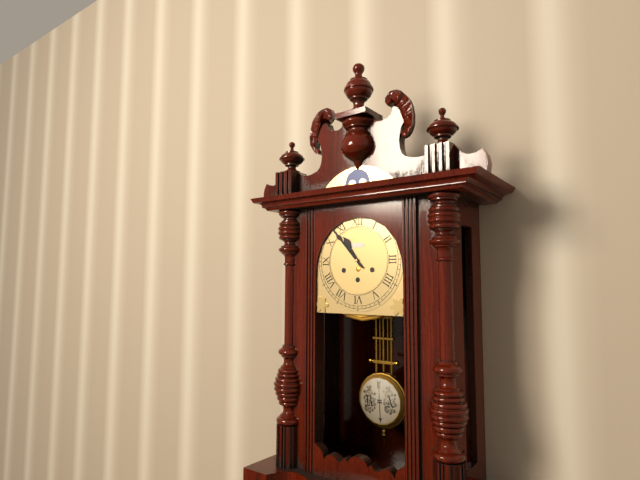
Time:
10h53
